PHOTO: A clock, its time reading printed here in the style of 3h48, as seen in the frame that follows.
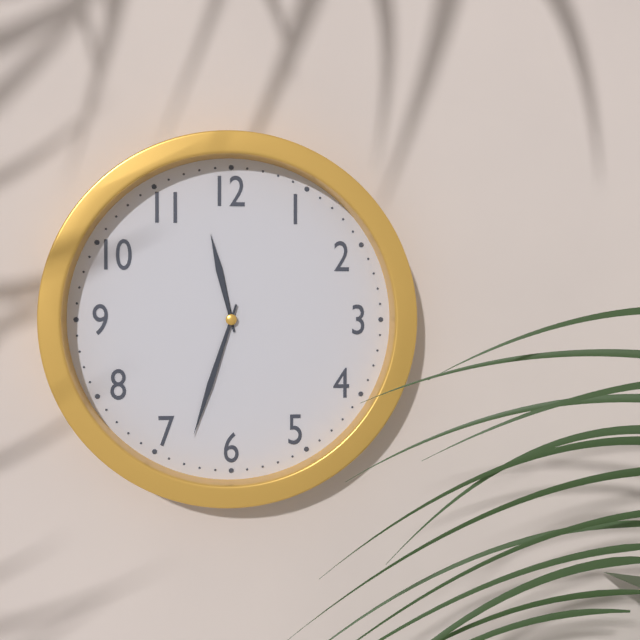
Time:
11h33
